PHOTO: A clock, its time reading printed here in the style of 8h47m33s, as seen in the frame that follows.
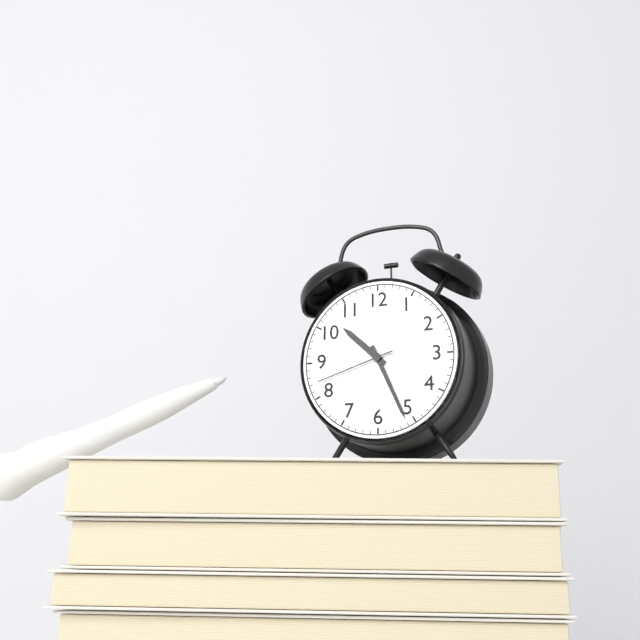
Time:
10h26m42s
